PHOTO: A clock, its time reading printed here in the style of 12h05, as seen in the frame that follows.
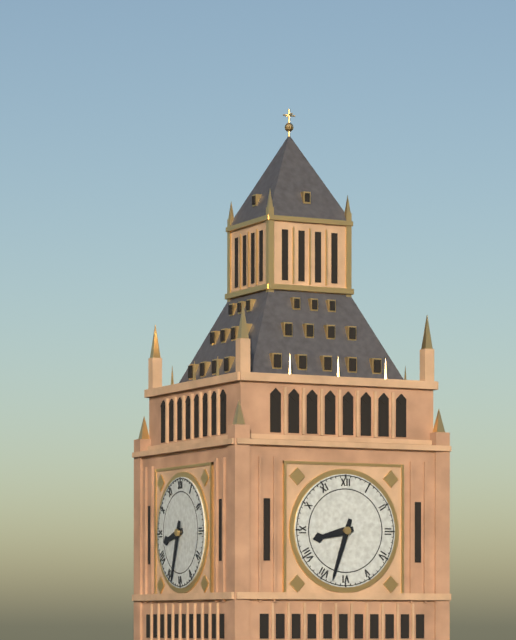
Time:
8h33
